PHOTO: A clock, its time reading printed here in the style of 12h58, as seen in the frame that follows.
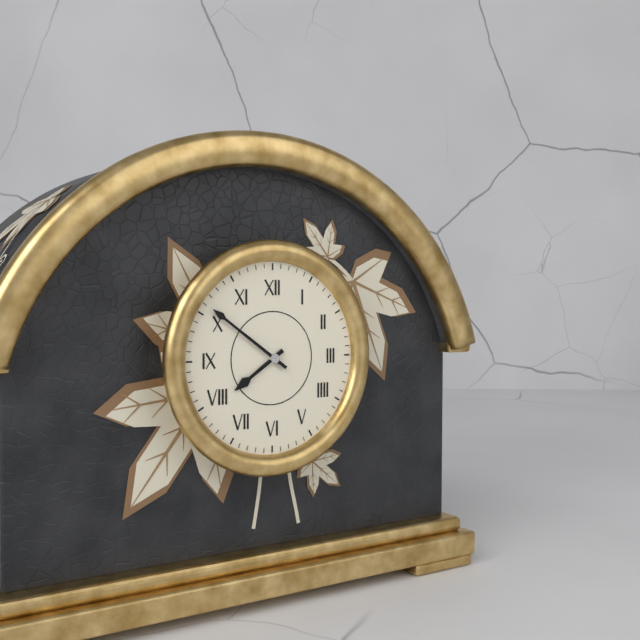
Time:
7h51
